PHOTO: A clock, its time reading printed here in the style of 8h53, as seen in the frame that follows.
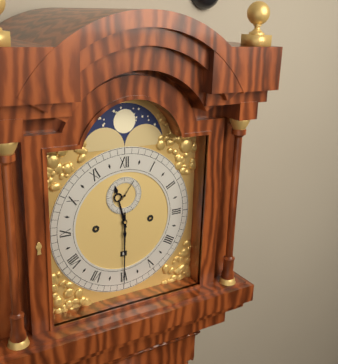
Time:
11h30
